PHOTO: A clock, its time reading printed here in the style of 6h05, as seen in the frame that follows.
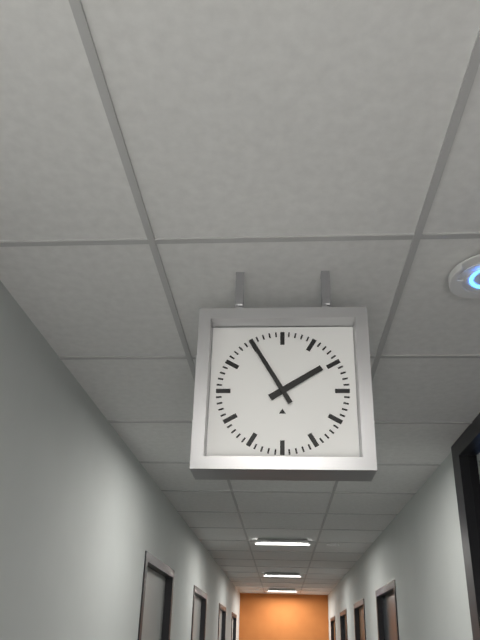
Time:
1h55
